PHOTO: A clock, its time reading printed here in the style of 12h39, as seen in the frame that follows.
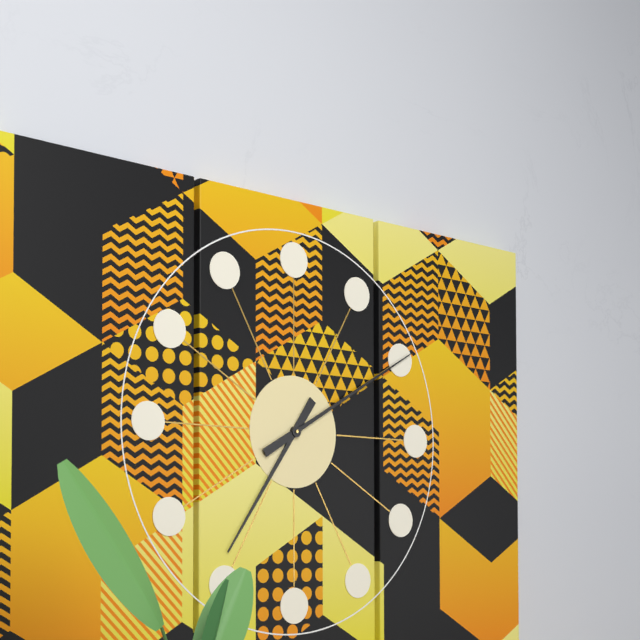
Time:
7h10
